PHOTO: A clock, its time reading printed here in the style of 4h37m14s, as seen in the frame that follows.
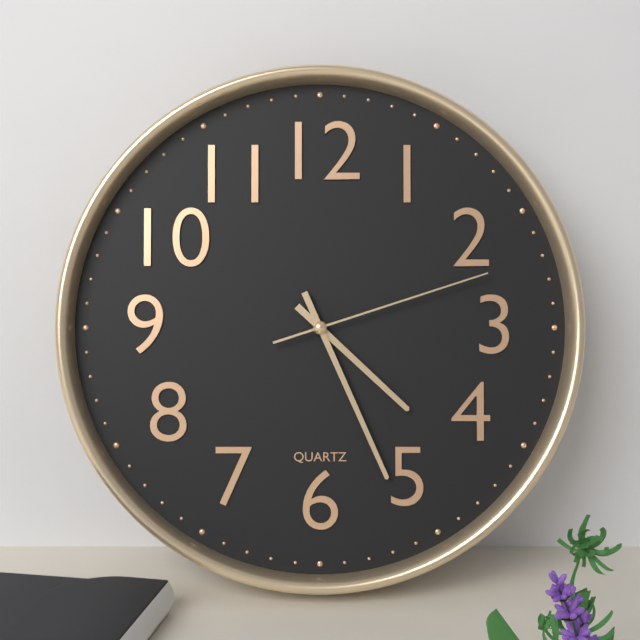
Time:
4h26m12s
